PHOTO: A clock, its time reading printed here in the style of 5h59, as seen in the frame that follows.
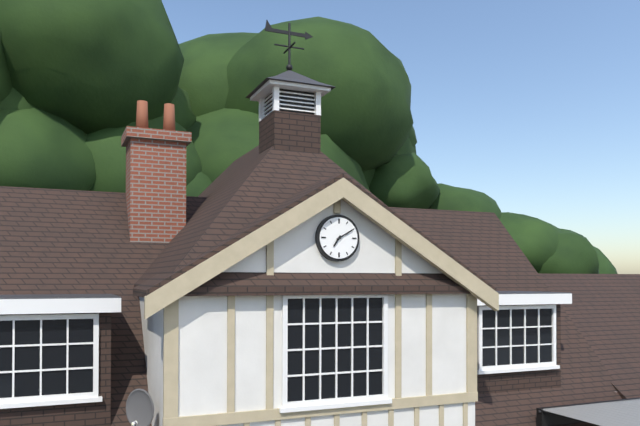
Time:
7h10
